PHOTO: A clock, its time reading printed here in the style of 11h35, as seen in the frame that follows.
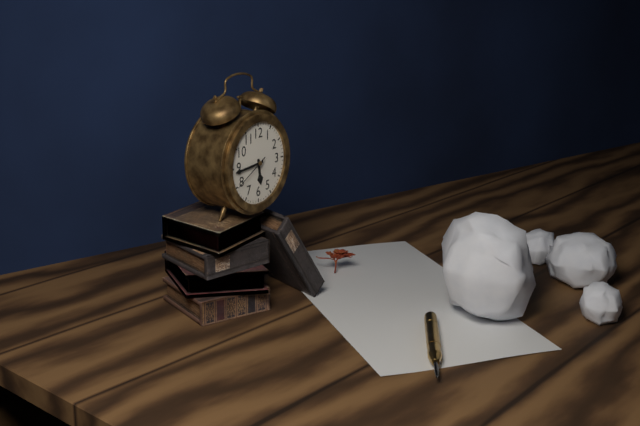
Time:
5h44
